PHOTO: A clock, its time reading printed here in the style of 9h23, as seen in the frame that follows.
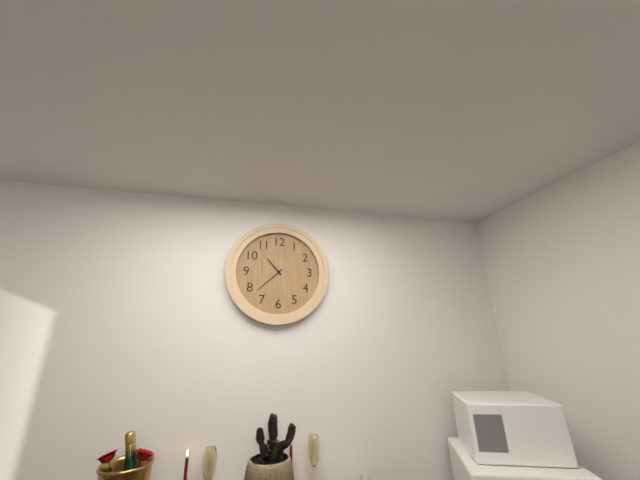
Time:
10h38
